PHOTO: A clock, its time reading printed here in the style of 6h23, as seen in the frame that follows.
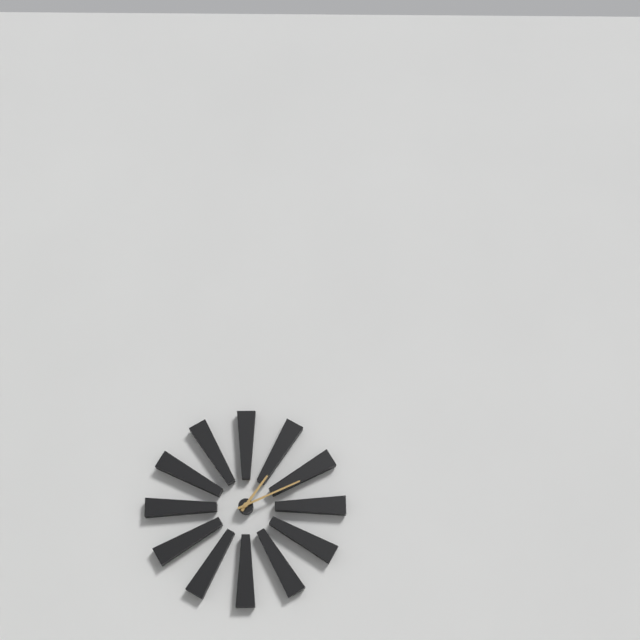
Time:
1h11
